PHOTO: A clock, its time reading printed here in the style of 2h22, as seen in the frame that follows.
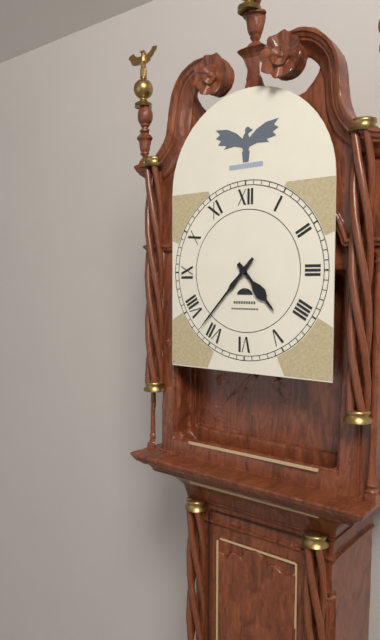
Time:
4h37
